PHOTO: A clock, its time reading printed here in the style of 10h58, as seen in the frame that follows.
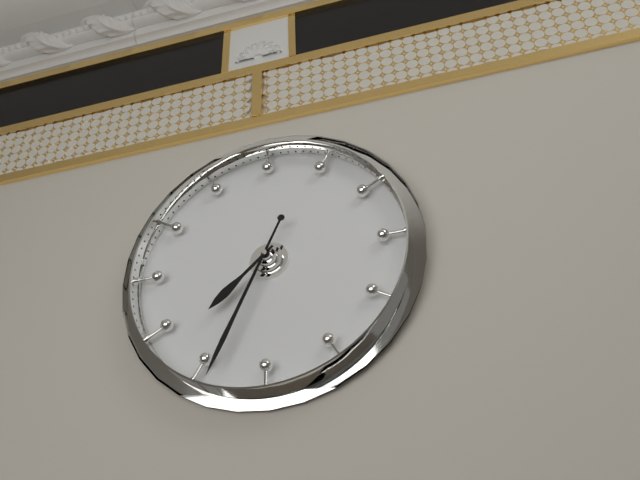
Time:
7h34
